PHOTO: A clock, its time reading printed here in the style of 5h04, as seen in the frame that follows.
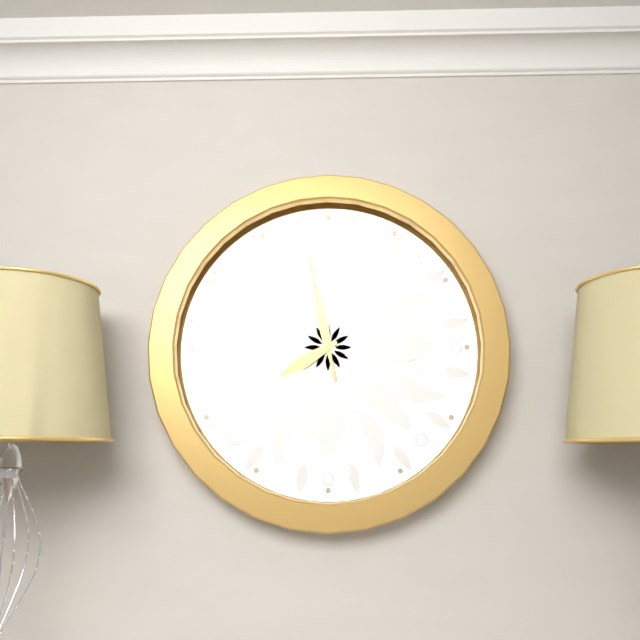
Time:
7h58
